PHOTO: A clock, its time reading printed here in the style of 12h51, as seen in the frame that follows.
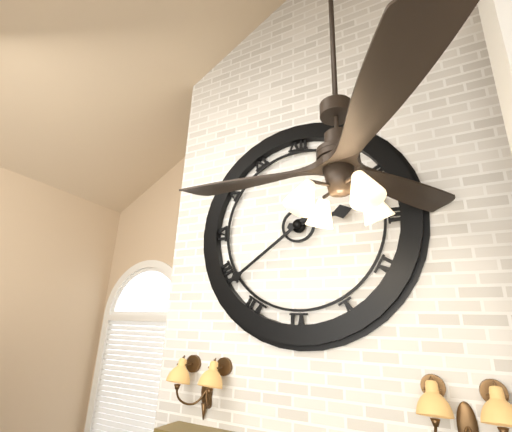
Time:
2h39
